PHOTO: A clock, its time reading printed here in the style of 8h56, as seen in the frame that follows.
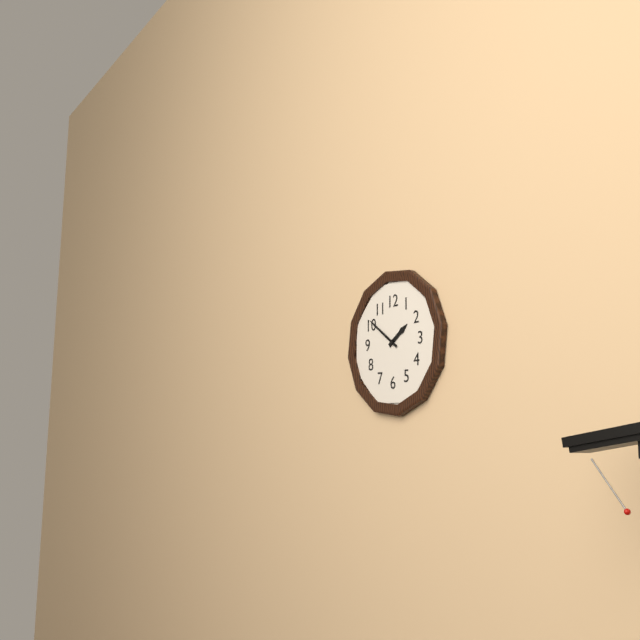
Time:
1h51
